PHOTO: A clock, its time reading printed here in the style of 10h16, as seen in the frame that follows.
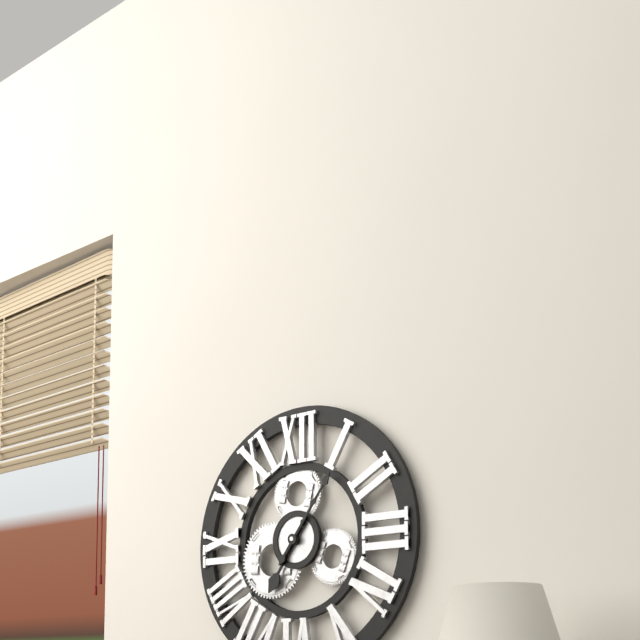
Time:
7h06
